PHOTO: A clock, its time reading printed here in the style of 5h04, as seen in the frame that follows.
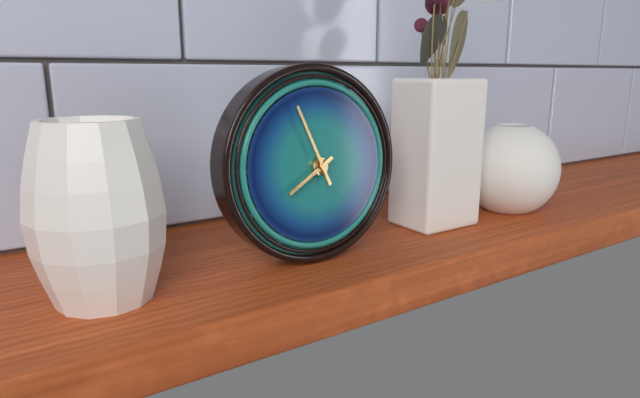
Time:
7h56
